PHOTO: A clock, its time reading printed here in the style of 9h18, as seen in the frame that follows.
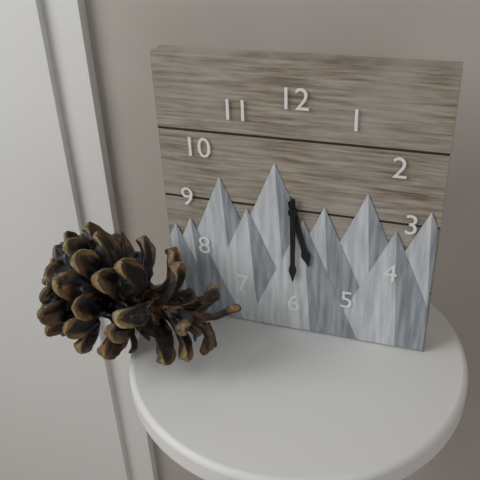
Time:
5h30
